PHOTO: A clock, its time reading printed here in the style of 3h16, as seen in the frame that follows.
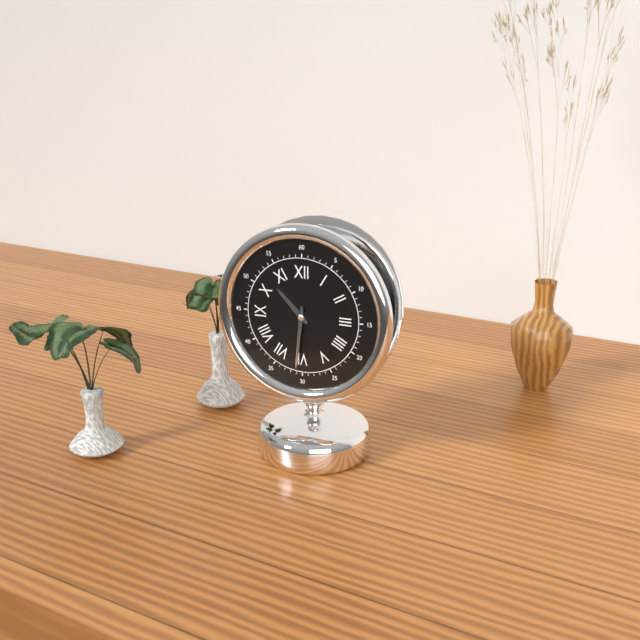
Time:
10h31
